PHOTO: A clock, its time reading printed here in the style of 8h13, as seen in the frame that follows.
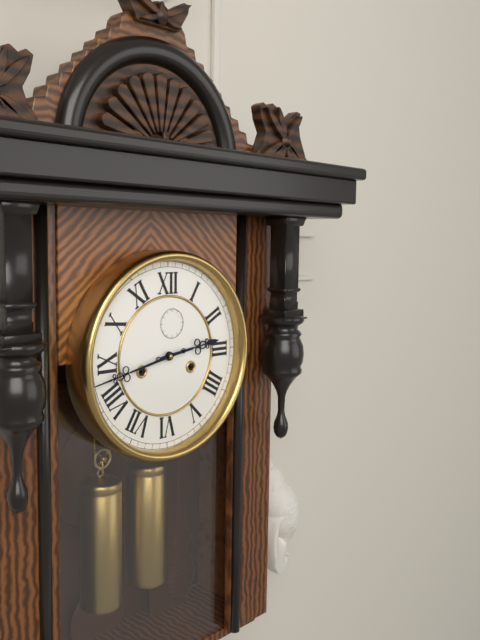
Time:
2h43
